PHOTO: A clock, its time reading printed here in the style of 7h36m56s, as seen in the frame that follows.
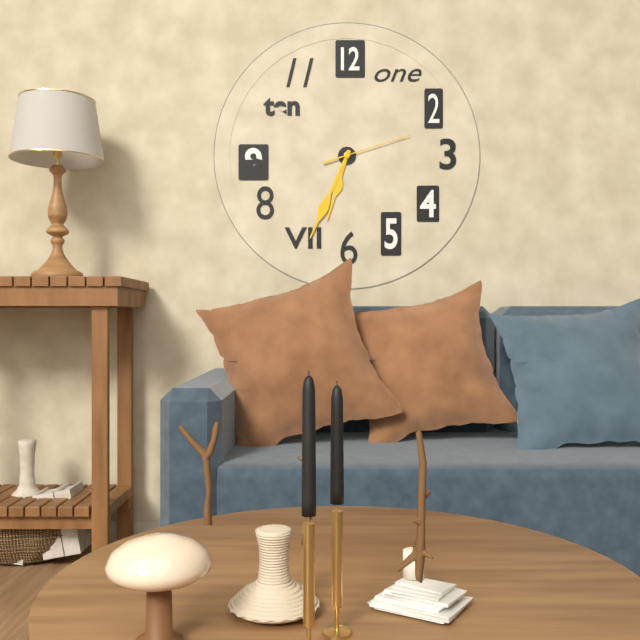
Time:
6h34m12s
